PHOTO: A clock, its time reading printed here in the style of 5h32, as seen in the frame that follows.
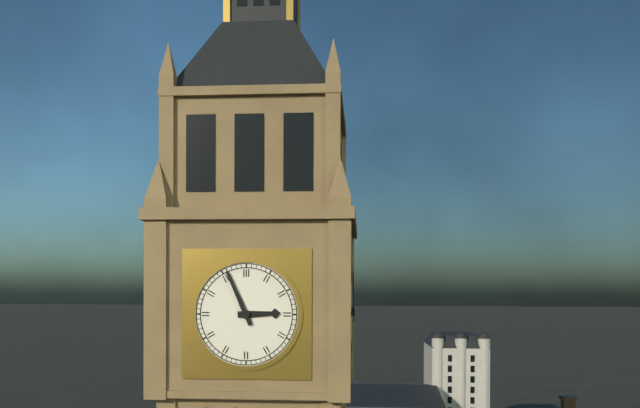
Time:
2h56
